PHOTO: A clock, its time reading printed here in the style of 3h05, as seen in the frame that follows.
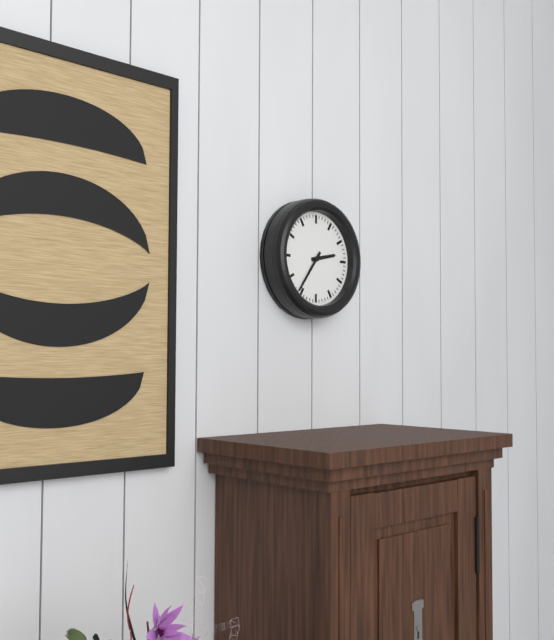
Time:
2h36
